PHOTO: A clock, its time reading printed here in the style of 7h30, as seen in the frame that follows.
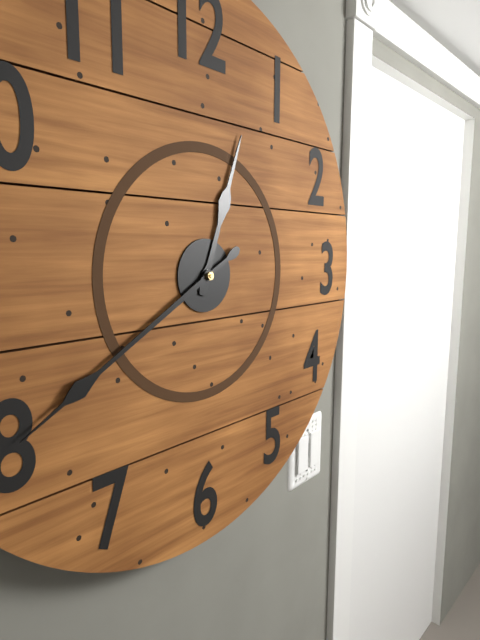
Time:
12h40
